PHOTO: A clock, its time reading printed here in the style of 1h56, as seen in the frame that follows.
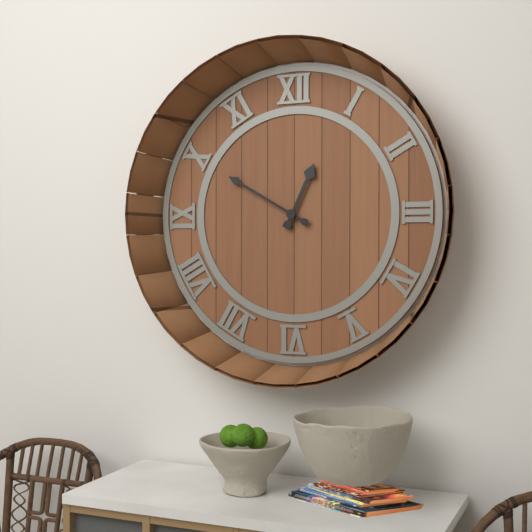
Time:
12h50
